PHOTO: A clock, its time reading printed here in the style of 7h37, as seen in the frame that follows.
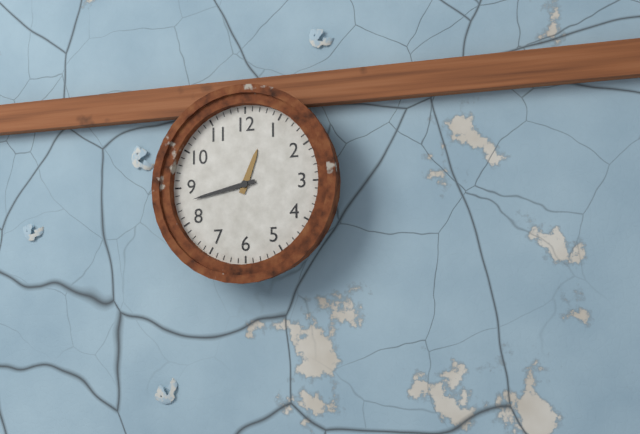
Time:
12h43
